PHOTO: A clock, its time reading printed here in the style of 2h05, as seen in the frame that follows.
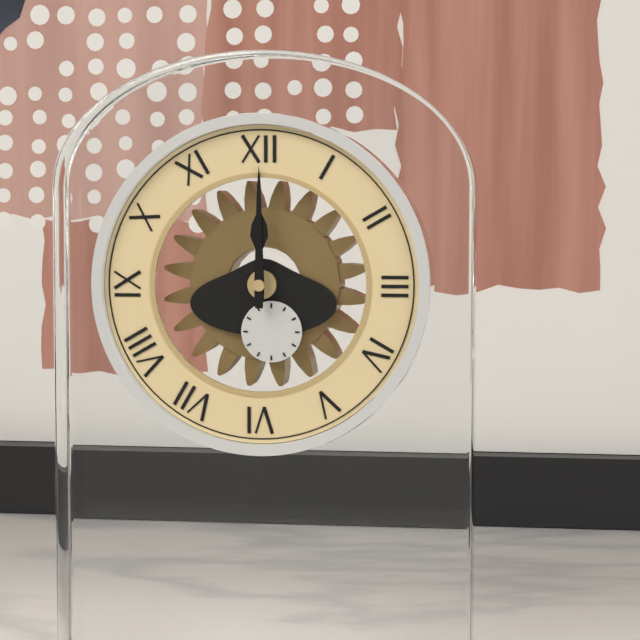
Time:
12h00
